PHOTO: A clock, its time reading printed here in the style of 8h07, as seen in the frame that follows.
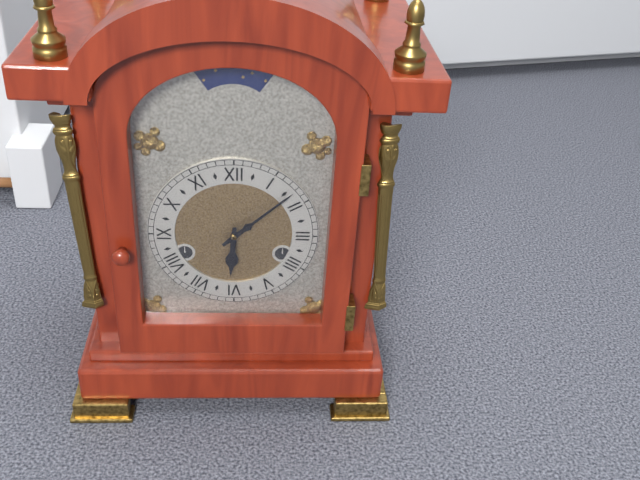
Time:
6h08
